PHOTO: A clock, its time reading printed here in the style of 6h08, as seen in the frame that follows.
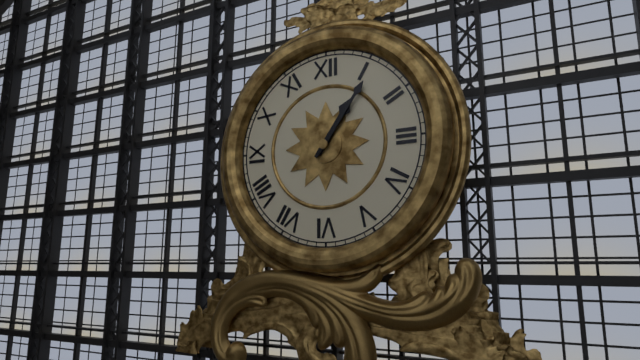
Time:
1h06
